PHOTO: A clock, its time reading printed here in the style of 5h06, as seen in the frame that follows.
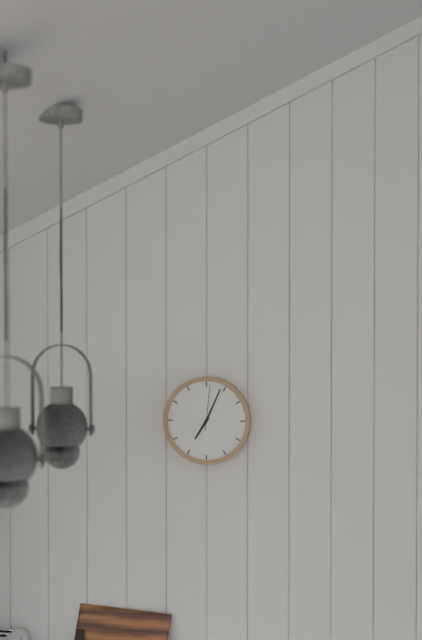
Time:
7h04
